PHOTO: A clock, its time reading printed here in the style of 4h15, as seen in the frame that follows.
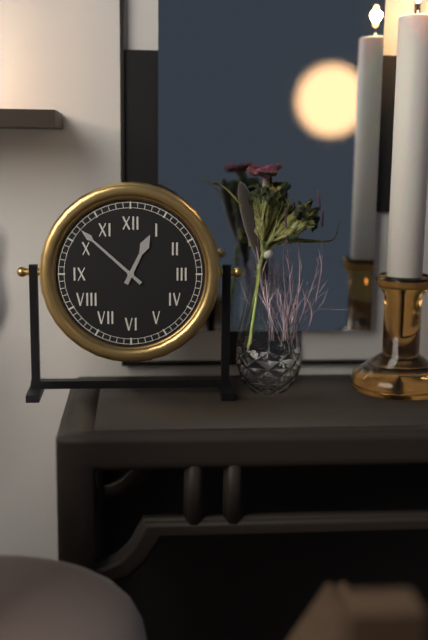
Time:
12h52
